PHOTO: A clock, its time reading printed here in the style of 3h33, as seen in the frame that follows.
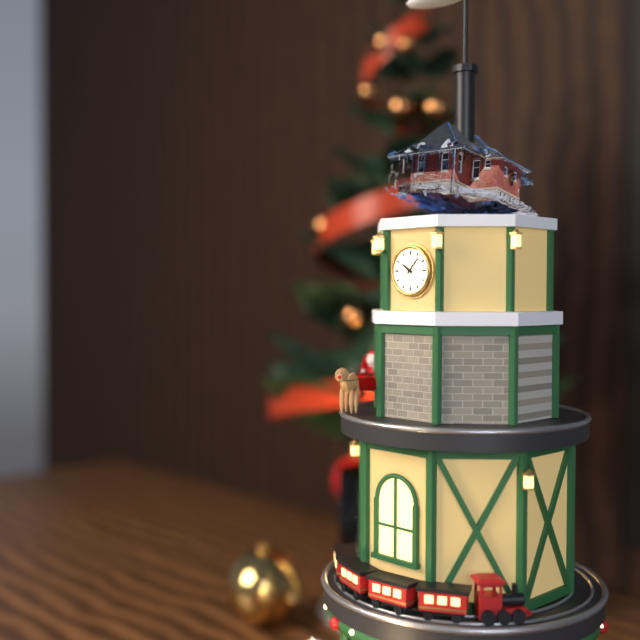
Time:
10h07
